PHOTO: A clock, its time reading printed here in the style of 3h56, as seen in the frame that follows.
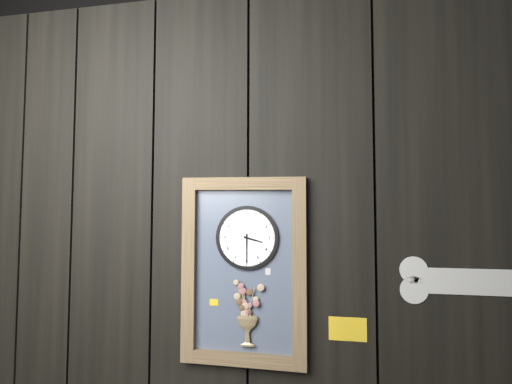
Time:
3h30
